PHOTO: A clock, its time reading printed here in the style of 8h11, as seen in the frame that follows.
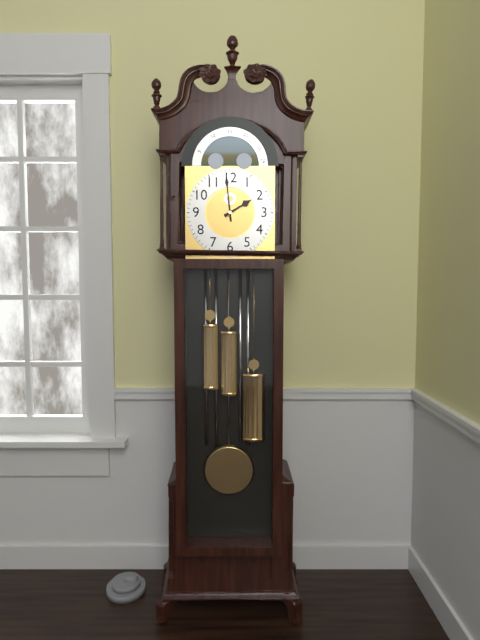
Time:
1h59
